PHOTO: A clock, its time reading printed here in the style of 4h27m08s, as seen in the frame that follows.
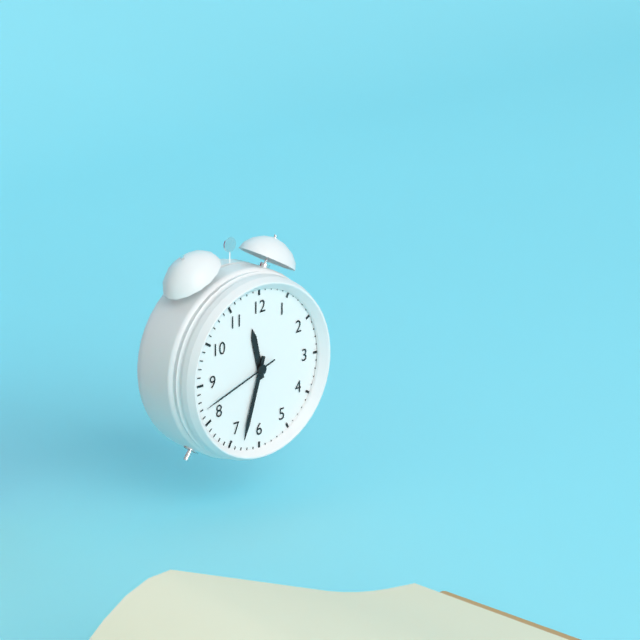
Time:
11h33m42s
